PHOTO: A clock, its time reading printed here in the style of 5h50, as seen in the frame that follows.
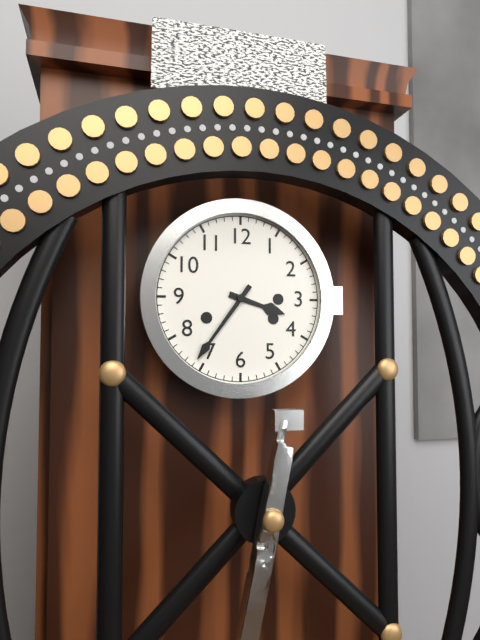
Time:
3h36
